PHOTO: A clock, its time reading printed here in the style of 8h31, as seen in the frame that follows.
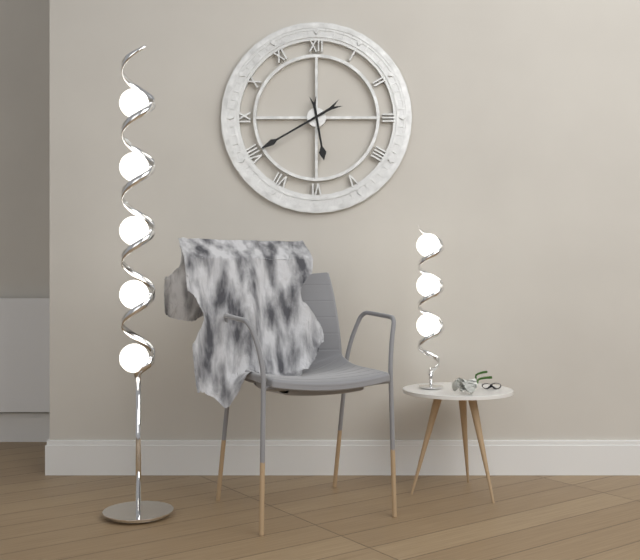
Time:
5h40
